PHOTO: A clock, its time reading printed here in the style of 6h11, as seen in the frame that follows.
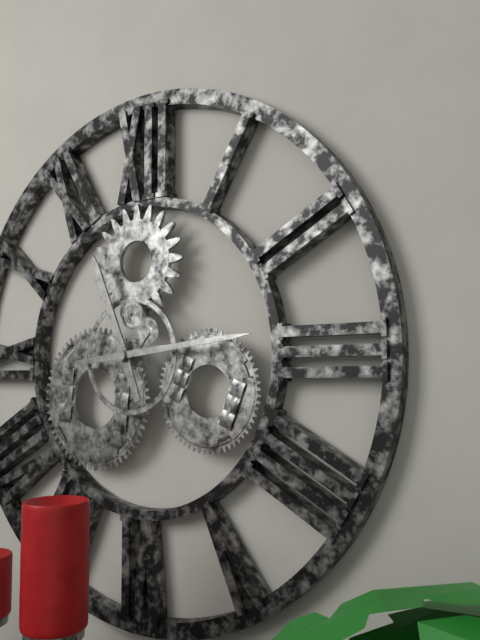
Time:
11h14
